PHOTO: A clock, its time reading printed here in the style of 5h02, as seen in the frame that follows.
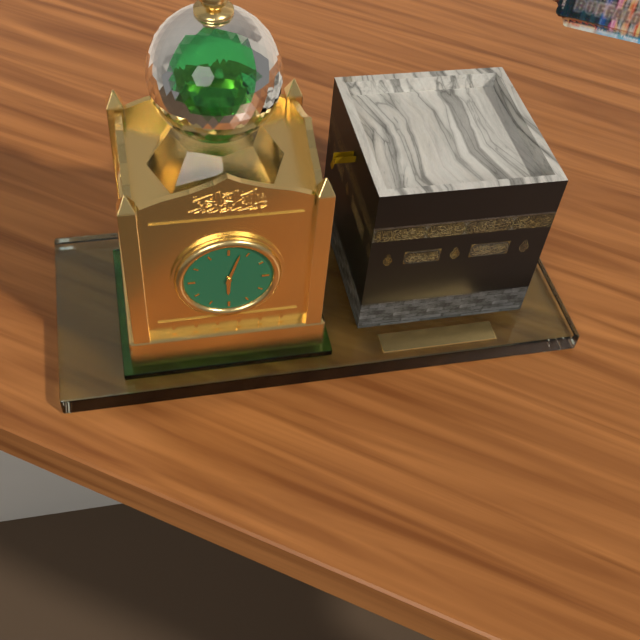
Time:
6h03
